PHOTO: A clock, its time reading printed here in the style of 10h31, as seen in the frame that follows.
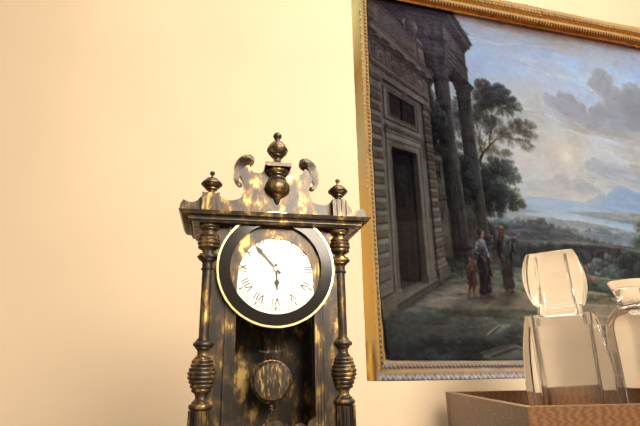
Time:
5h53
